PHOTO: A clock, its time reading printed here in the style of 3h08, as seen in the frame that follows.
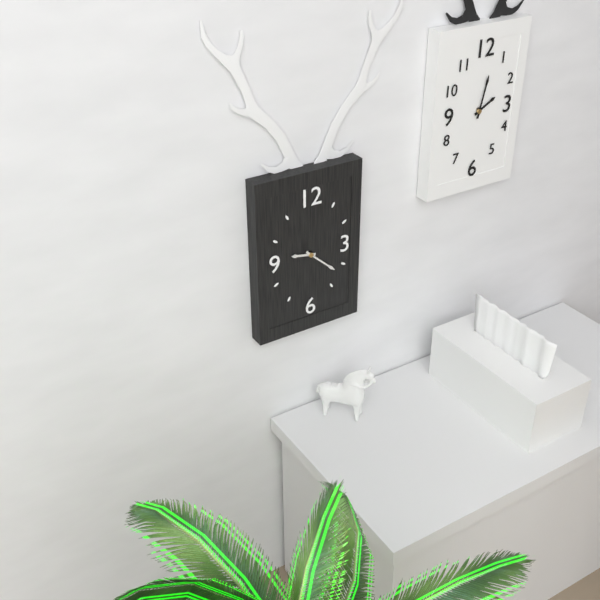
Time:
9h22
